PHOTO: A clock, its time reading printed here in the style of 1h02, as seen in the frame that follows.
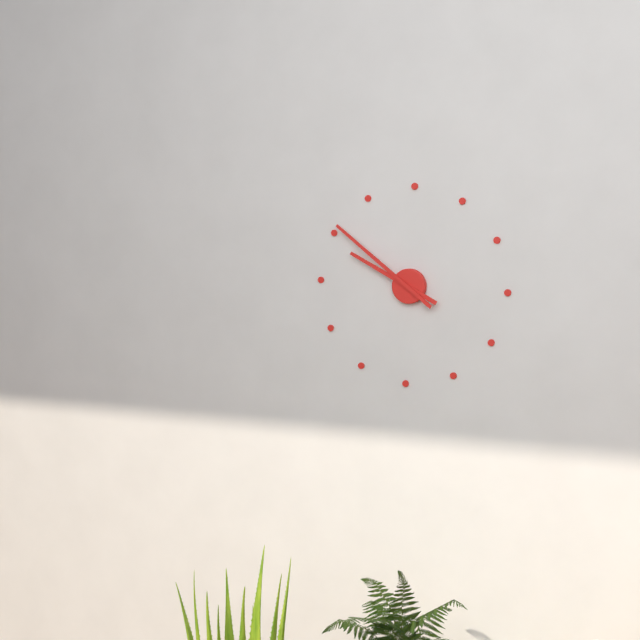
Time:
9h51
